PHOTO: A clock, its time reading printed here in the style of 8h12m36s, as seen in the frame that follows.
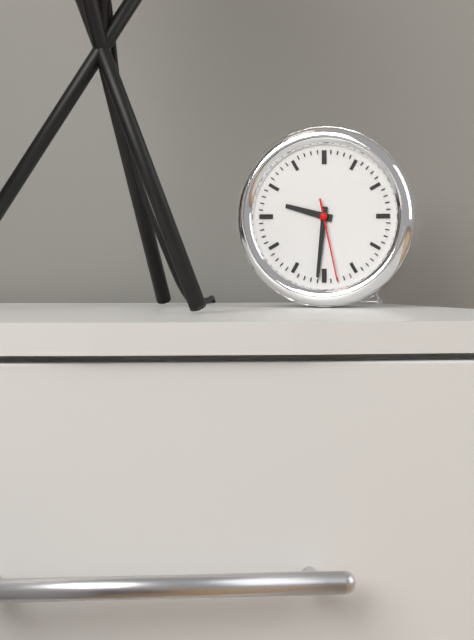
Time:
9h31m28s
